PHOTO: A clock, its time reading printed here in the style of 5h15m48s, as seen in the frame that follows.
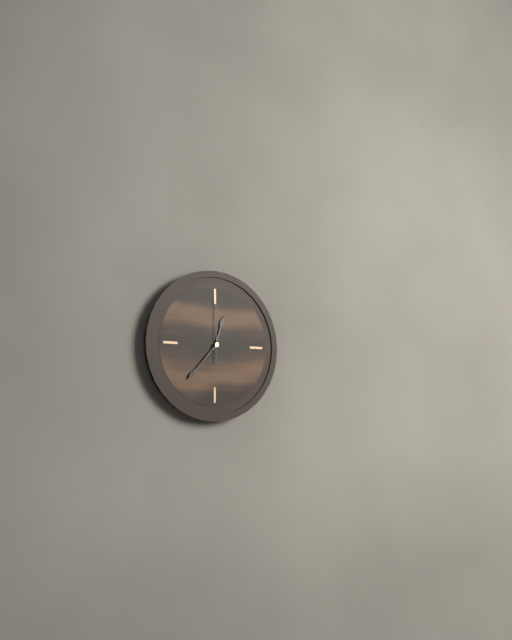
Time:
12h37m00s
